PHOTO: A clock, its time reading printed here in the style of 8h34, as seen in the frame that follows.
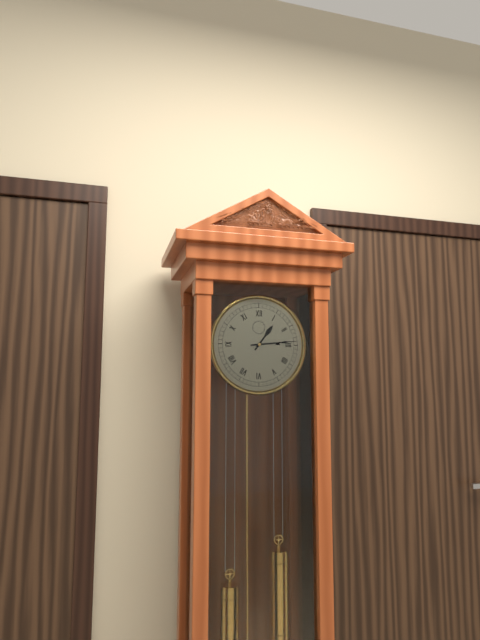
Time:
1h14
